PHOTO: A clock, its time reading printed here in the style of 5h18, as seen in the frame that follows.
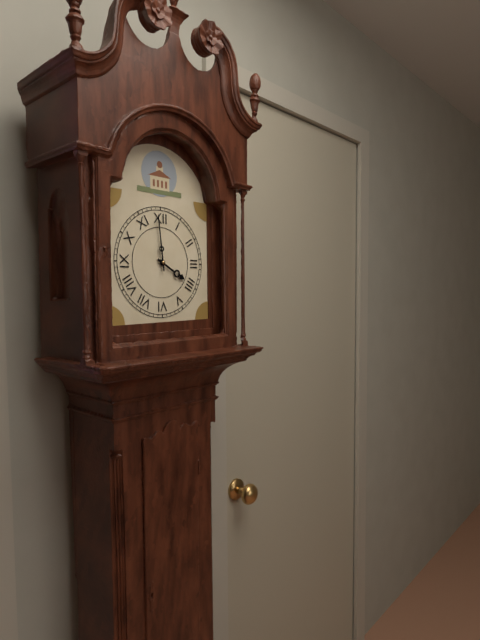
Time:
3h59
